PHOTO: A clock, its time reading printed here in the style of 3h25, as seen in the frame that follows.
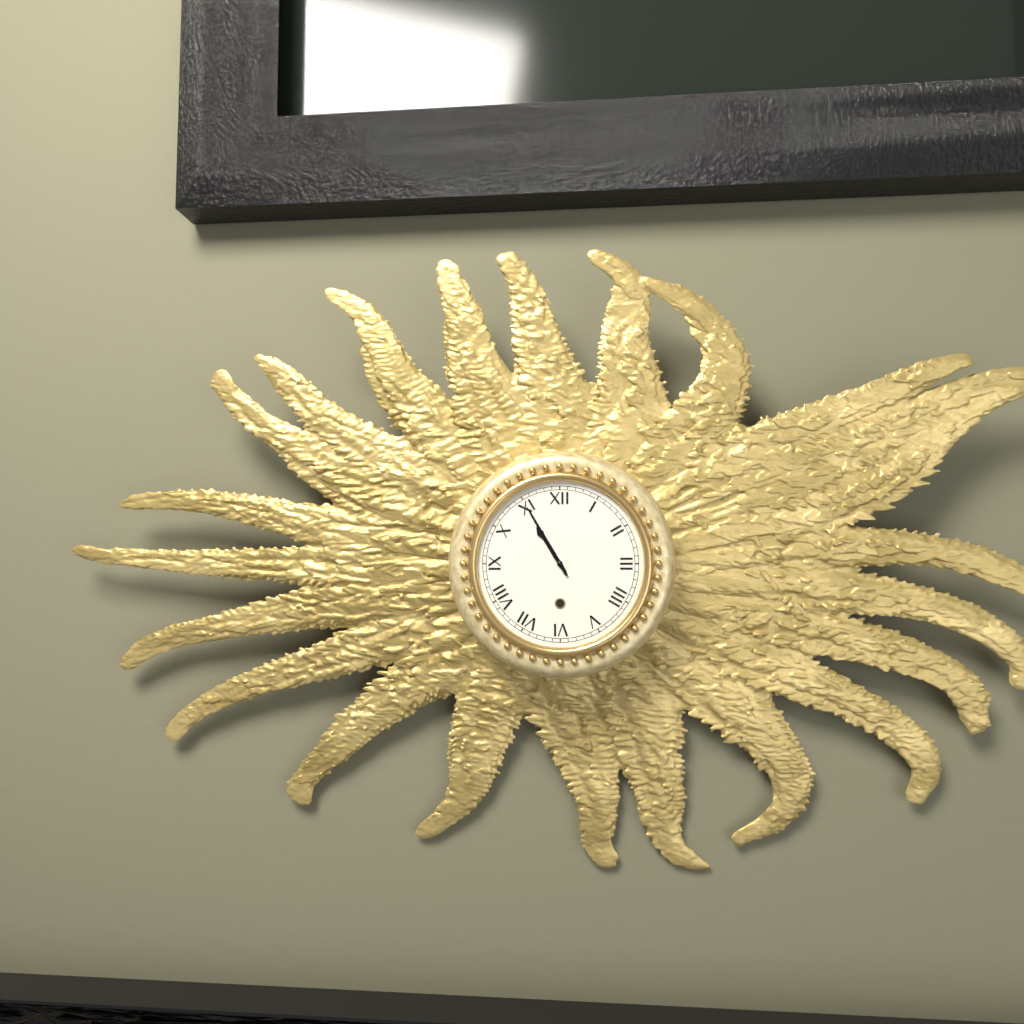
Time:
10h55
